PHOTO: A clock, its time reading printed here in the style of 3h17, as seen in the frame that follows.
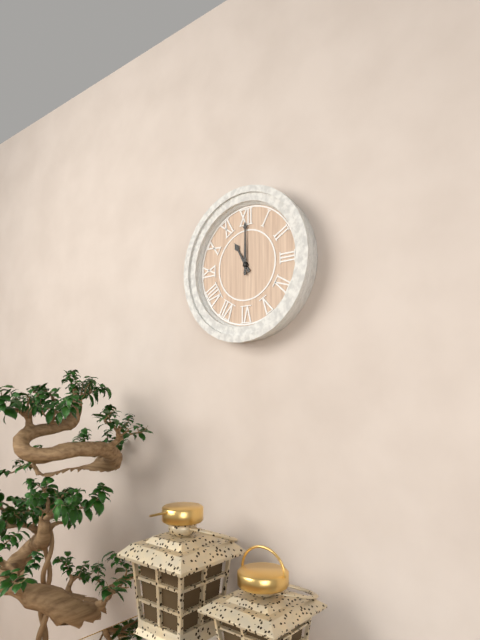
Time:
11h00
